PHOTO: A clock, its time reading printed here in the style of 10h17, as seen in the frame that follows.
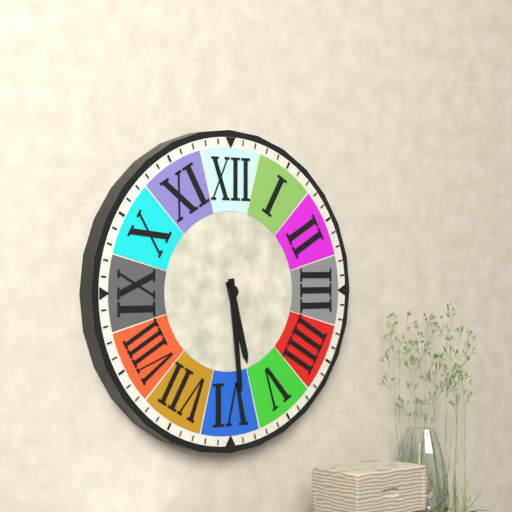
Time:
5h29
